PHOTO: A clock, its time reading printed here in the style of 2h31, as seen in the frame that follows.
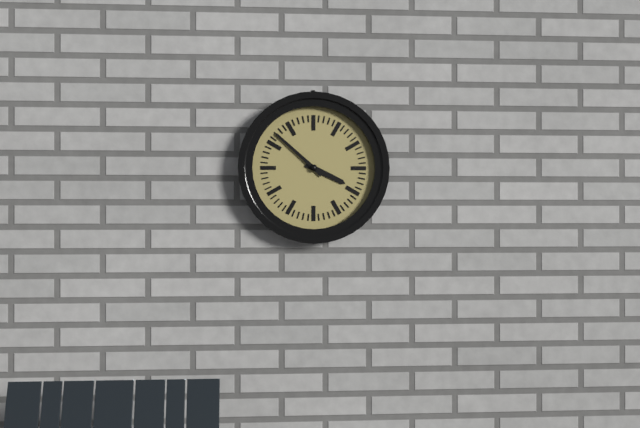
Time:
3h52
